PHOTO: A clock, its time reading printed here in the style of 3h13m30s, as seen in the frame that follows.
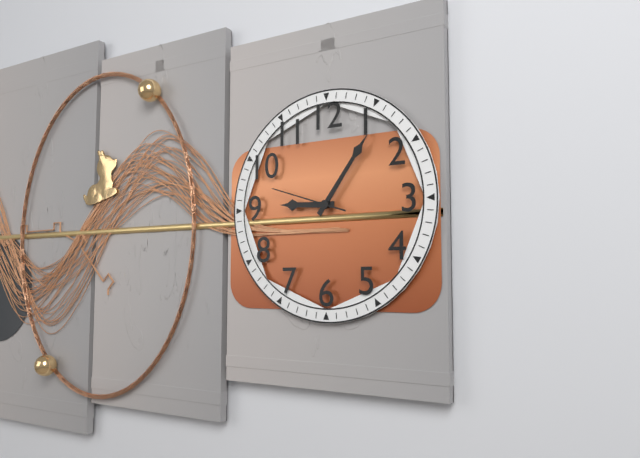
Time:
9h06m48s
